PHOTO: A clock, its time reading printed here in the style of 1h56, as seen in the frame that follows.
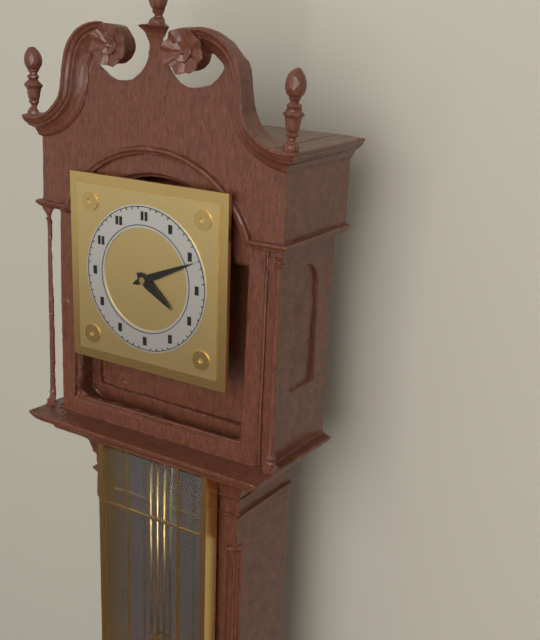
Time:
4h11
